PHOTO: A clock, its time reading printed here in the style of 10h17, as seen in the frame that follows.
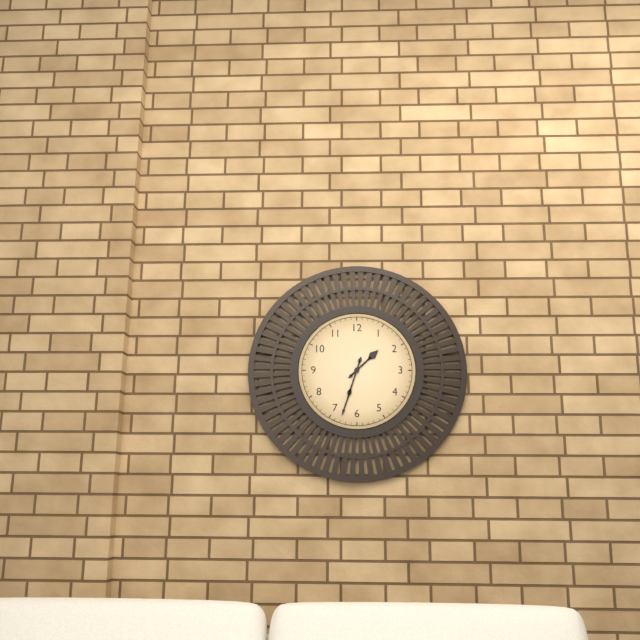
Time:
1h33
